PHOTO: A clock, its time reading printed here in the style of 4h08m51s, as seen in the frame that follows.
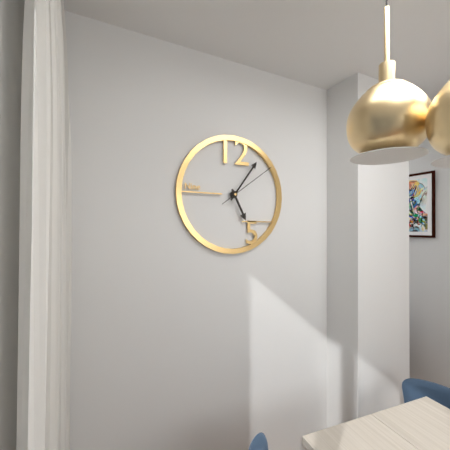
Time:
5h06m09s
